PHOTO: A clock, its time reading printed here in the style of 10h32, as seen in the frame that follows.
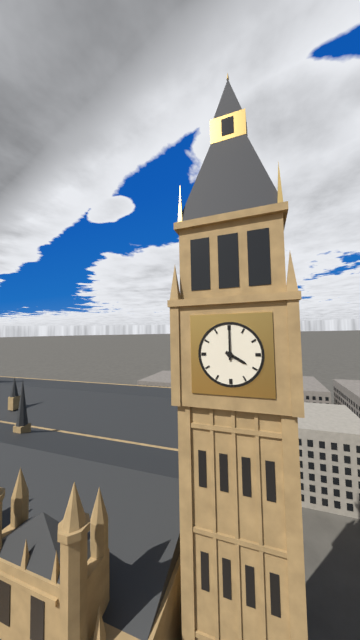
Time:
4h00
